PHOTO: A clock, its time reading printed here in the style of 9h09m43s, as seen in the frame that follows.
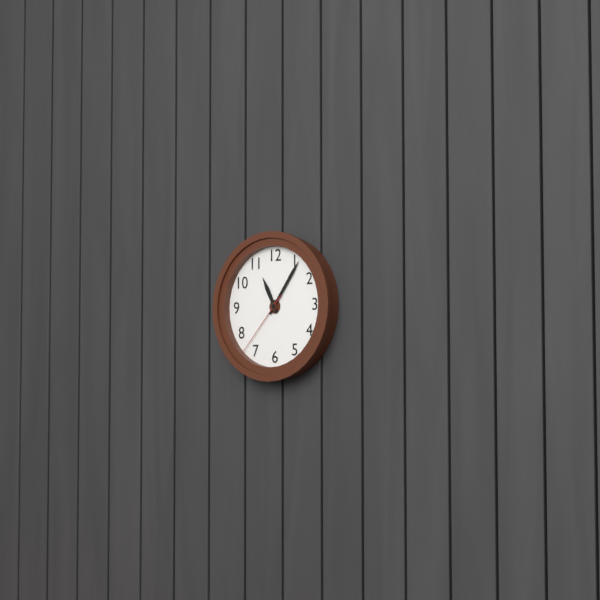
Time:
11h06m37s
